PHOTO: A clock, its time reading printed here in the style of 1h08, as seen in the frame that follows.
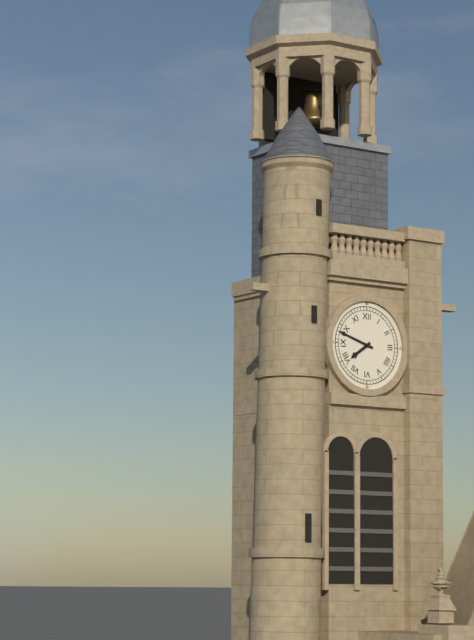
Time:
7h48
